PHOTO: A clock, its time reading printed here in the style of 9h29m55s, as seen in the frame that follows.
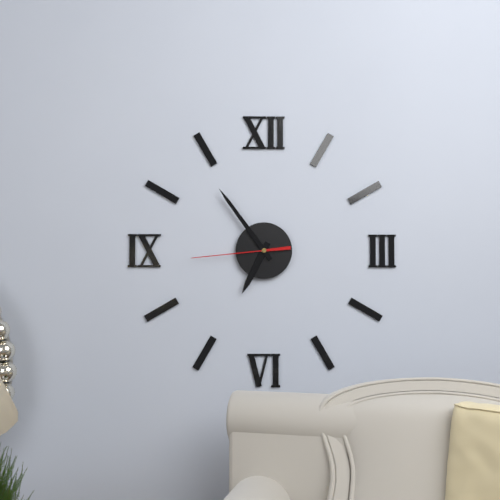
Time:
6h54m44s
